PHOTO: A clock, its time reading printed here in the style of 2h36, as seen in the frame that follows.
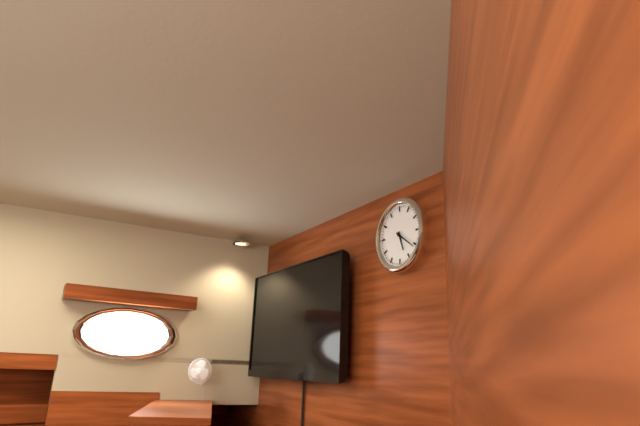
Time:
5h21
